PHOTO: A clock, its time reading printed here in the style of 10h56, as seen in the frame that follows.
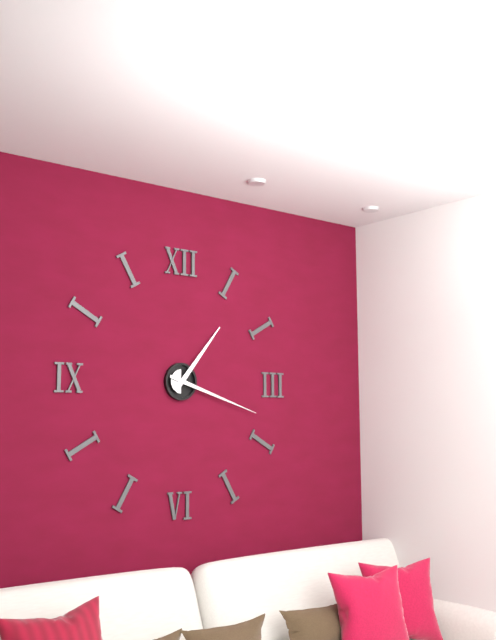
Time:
1h18
